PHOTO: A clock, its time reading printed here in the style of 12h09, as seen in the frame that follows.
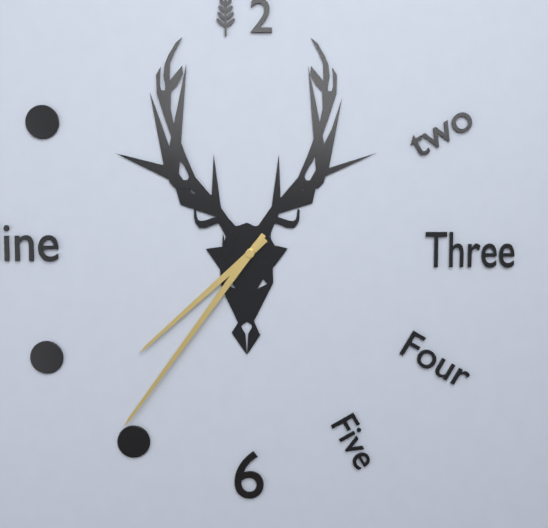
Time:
7h36
